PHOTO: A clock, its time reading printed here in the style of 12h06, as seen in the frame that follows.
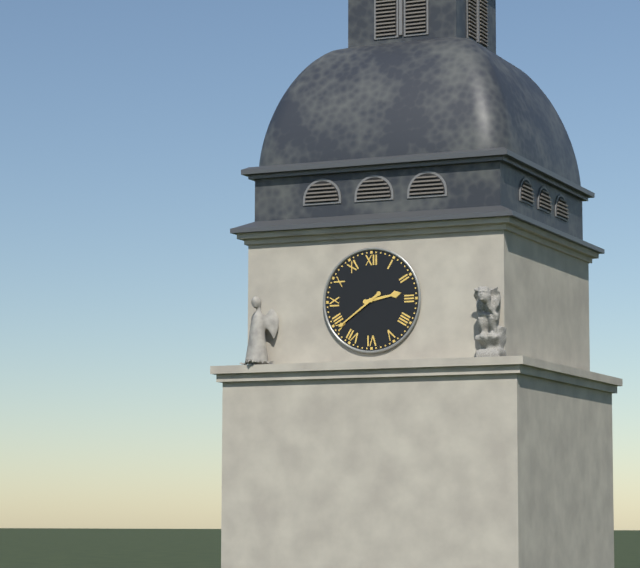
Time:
2h39
